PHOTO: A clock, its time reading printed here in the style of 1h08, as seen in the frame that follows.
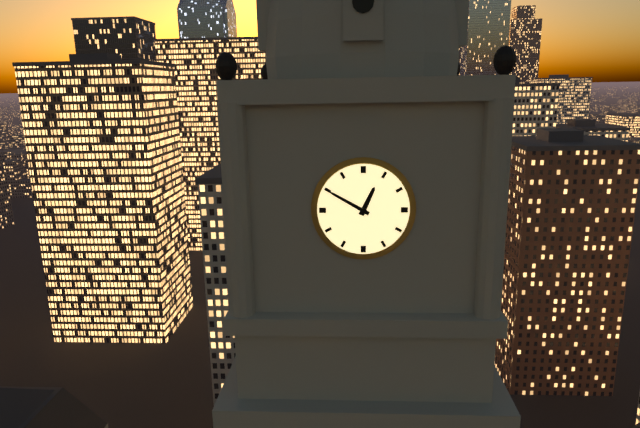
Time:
12h50
